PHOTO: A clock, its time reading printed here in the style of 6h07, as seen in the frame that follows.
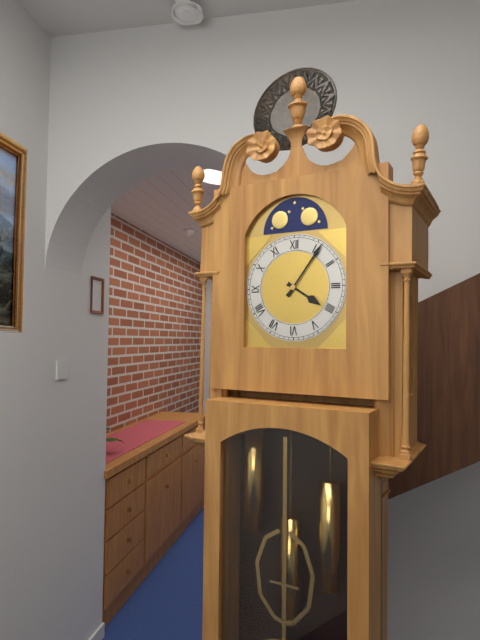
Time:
4h06
